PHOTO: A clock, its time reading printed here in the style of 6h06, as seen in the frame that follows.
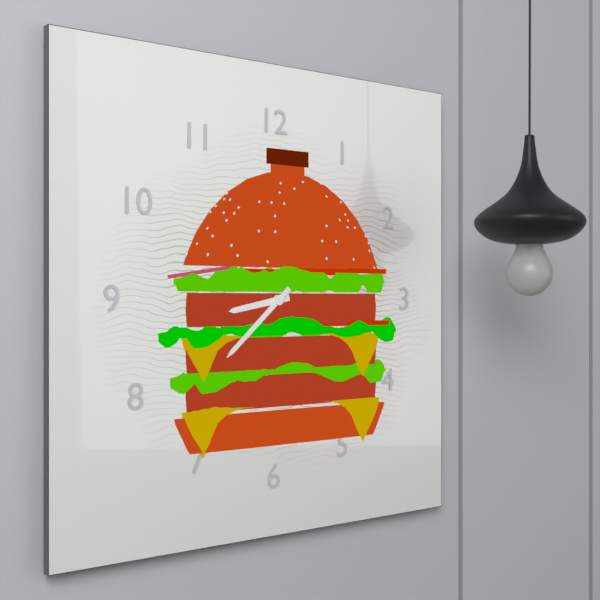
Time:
8h38
